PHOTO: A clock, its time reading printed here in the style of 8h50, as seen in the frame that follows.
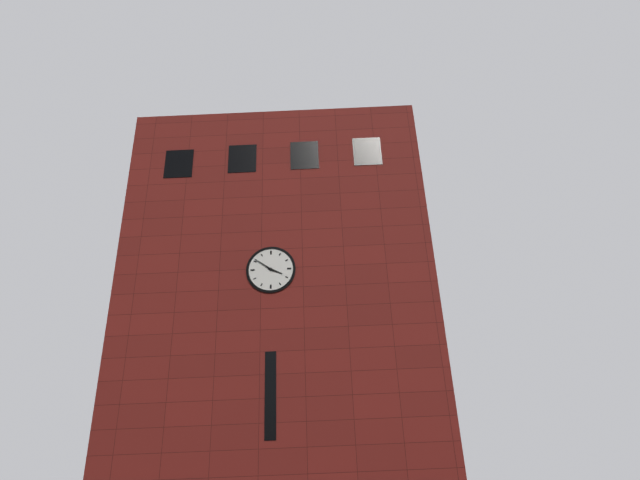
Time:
3h51
